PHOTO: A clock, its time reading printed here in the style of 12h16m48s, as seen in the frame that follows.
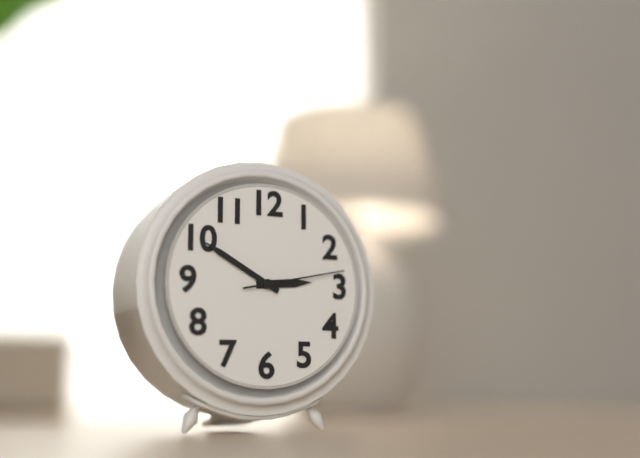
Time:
2h50m13s
